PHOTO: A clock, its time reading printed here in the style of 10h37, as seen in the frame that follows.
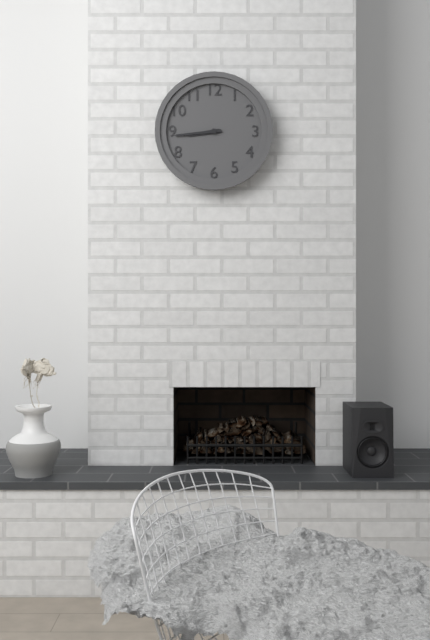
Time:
8h44
